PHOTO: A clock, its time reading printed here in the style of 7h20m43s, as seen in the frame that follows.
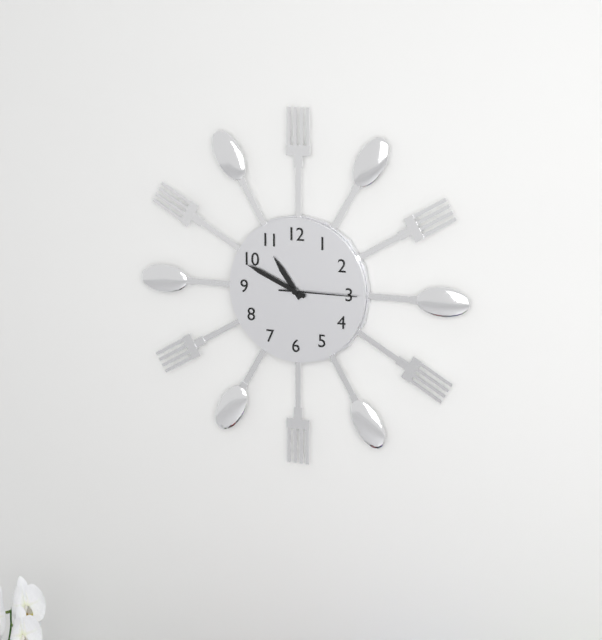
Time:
10h49m15s
